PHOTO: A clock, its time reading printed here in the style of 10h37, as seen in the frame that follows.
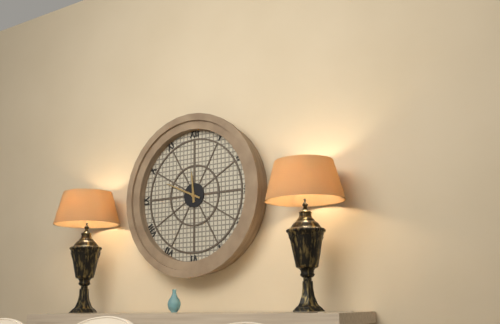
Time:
11h49
